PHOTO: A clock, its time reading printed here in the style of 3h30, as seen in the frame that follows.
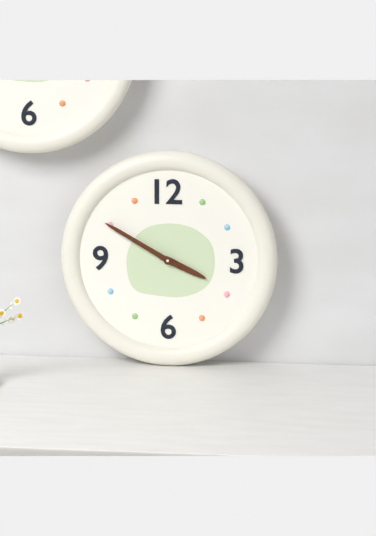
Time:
3h50
